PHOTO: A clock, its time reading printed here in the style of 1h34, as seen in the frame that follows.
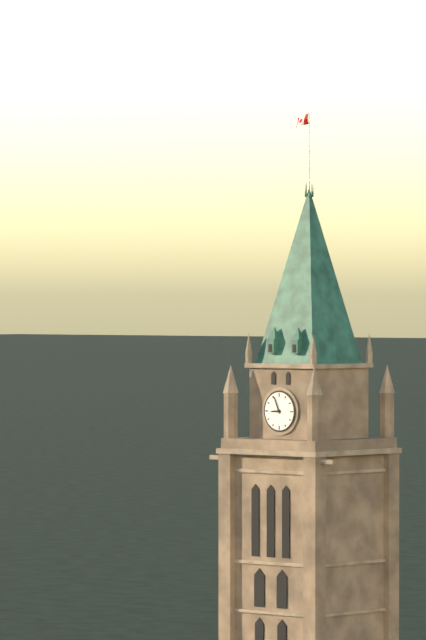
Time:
8h56
